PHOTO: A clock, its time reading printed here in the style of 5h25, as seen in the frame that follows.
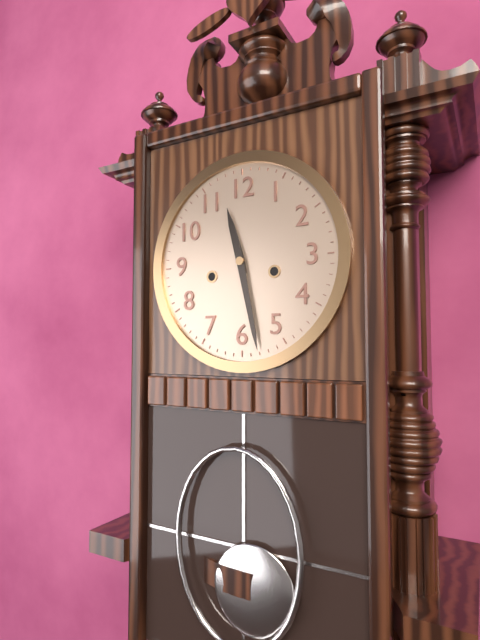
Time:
11h28
